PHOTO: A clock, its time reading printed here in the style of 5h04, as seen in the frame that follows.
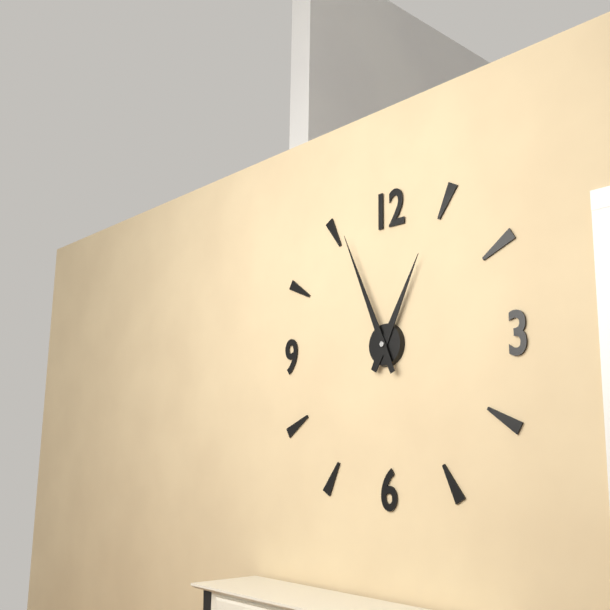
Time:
12h56
